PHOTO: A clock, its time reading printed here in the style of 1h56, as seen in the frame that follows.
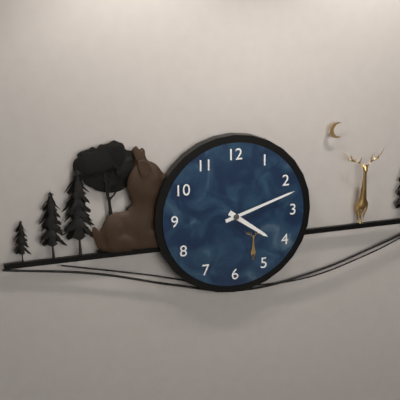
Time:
4h12
